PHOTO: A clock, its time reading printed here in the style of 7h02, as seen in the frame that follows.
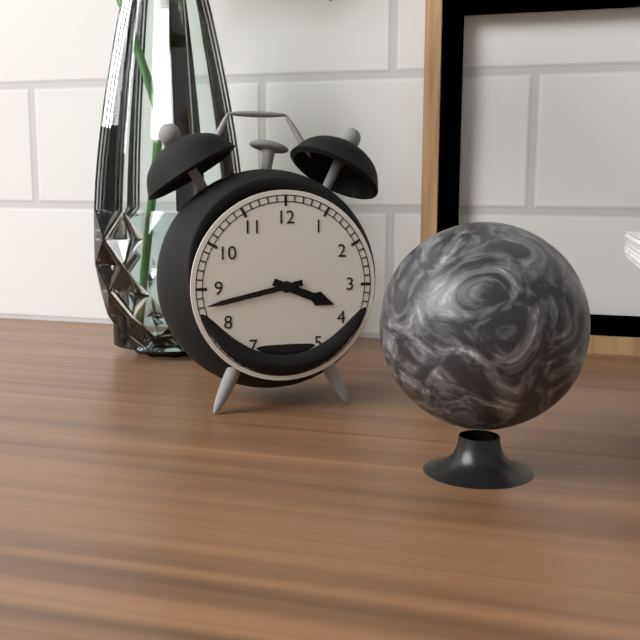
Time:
3h43
